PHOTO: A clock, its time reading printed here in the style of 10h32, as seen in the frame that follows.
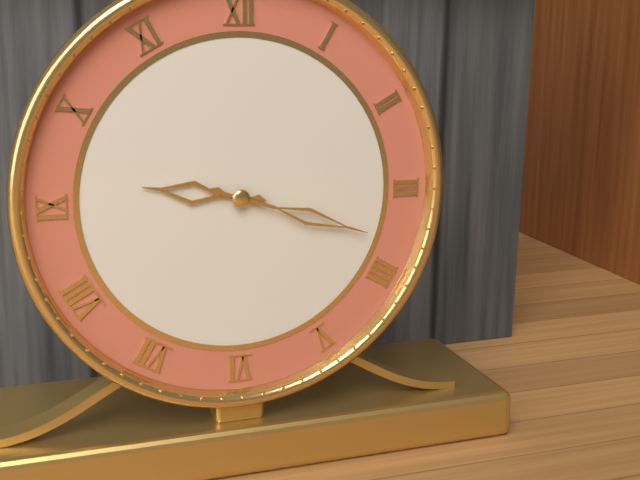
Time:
9h18
